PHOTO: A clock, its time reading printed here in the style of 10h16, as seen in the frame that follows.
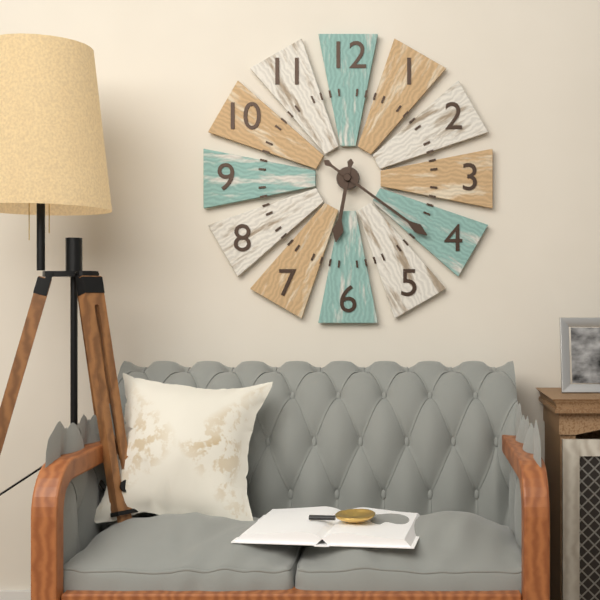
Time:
6h21
